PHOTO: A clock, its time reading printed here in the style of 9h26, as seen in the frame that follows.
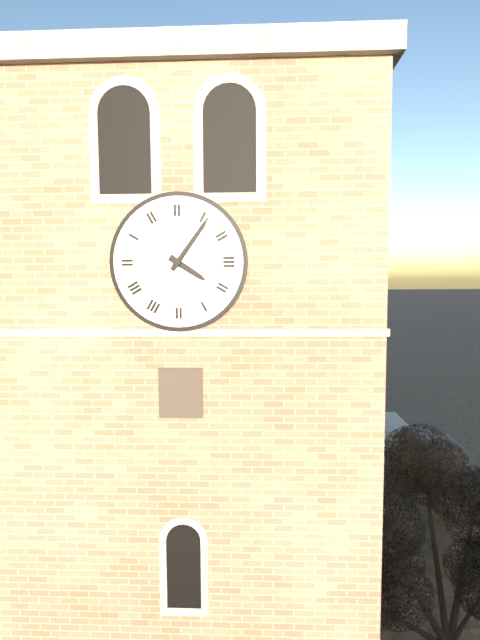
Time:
4h06
